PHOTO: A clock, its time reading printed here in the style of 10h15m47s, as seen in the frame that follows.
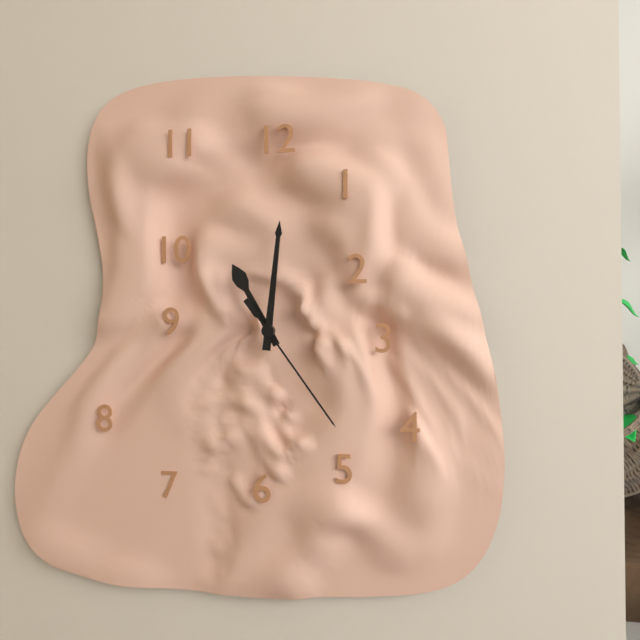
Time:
11h01m24s
